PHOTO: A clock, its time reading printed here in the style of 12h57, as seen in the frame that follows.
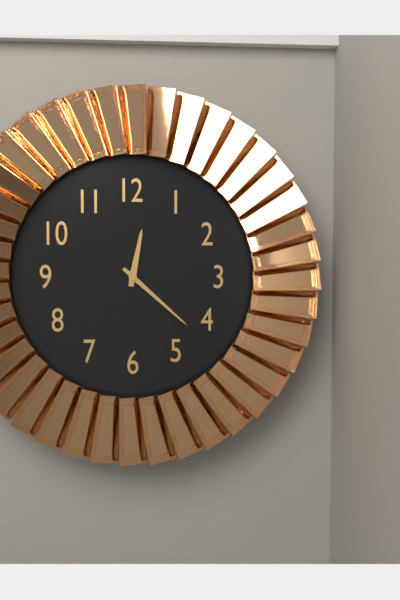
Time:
12h22
